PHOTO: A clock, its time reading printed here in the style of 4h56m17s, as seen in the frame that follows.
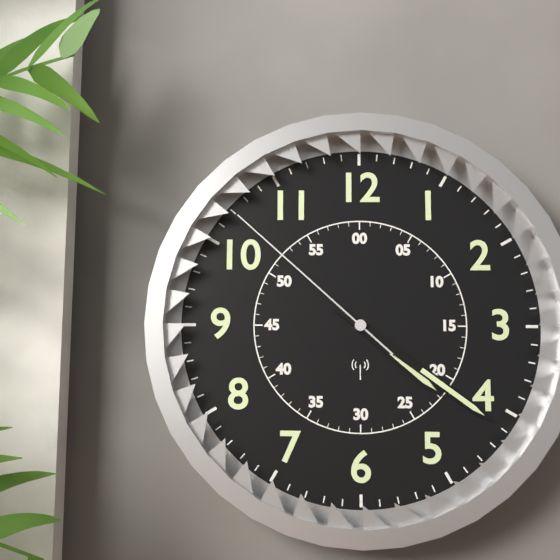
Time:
4h21m52s
